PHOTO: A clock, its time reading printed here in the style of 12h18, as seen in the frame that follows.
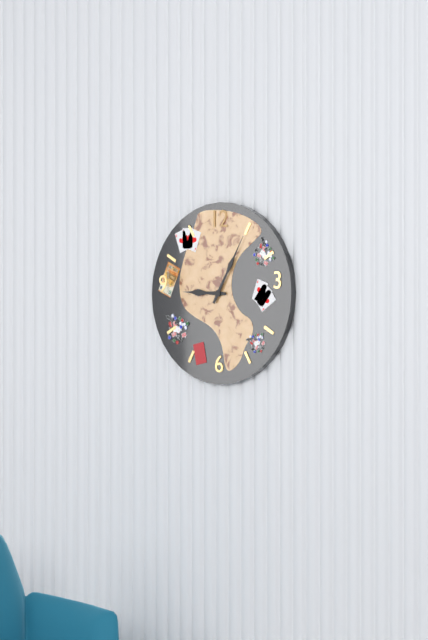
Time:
9h05
